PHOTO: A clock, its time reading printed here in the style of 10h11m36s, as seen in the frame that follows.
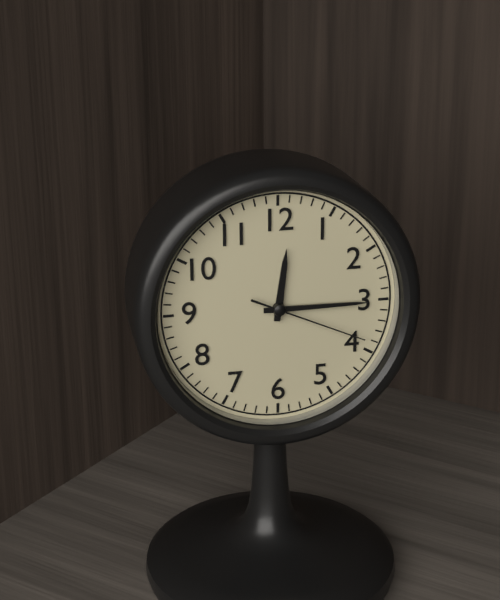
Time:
12h15m19s
